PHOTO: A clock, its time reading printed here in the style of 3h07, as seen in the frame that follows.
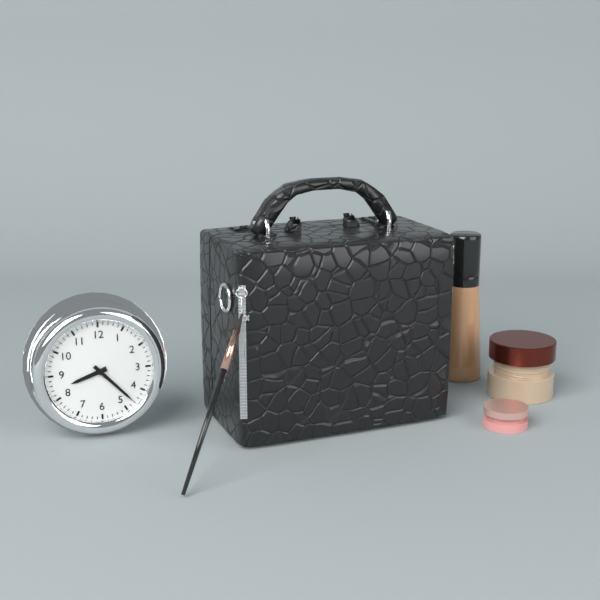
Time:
8h23
